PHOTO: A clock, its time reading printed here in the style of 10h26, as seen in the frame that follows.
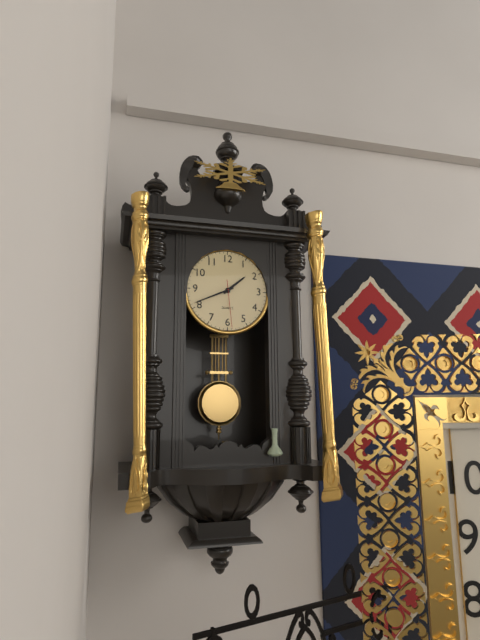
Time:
1h41
